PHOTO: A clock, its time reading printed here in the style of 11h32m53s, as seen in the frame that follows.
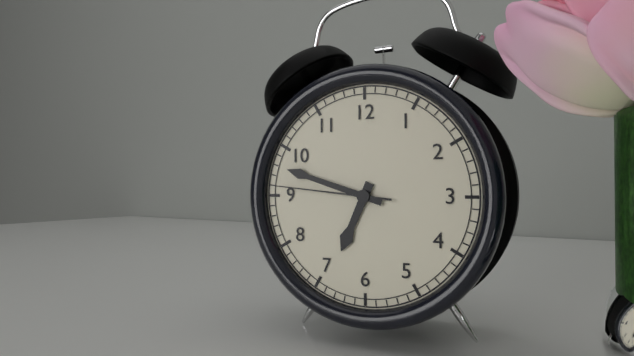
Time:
6h48m46s
